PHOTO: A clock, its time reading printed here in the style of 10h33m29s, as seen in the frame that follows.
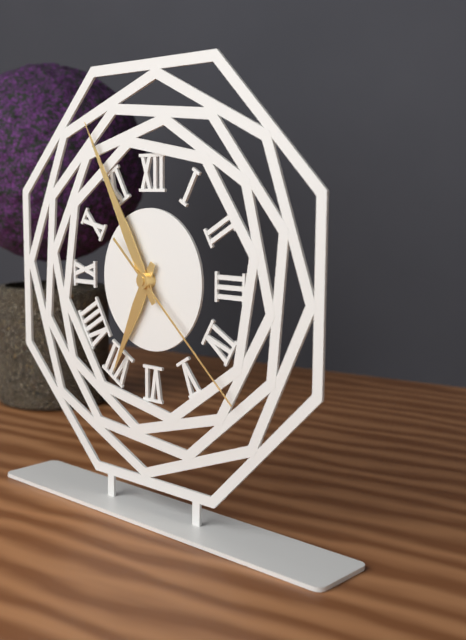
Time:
6h55m22s
